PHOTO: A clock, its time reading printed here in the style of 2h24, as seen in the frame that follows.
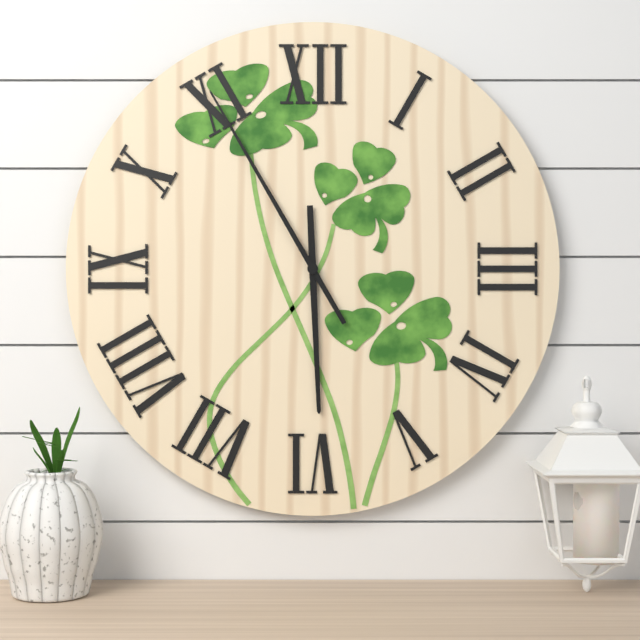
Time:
5h55
